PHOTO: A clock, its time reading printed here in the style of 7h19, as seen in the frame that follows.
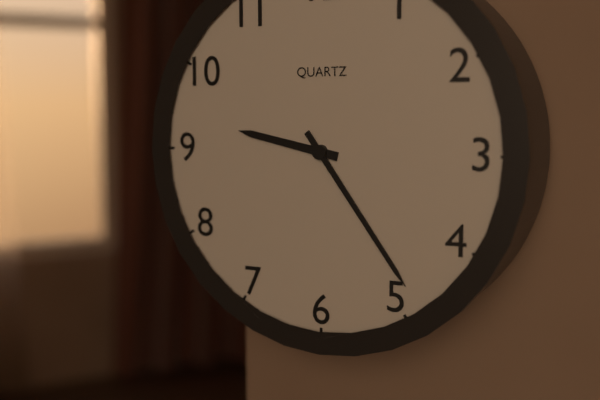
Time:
9h24
